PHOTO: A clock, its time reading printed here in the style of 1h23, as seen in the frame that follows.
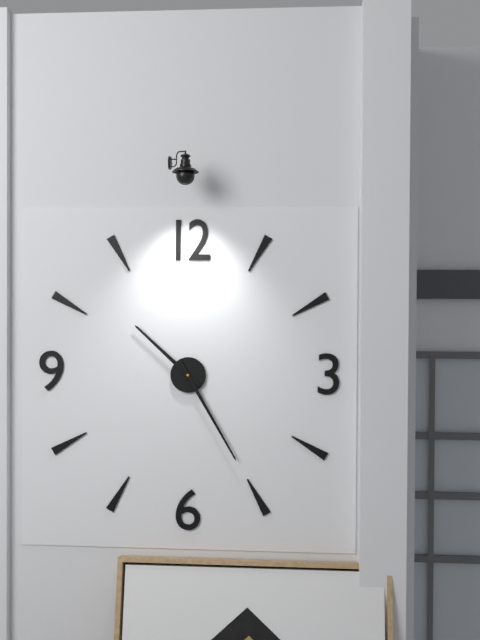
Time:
10h25
